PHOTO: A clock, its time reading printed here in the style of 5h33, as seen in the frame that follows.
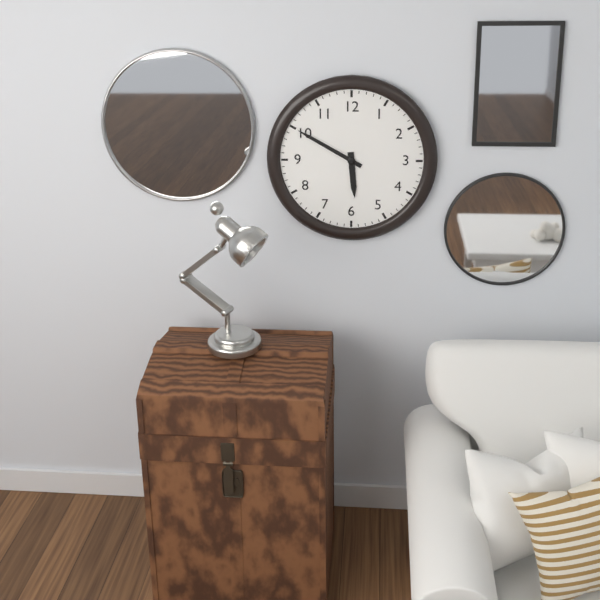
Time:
5h50
